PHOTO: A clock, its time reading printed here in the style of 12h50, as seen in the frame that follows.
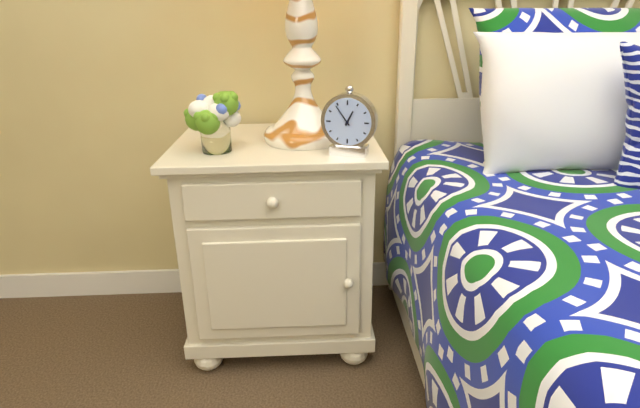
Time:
12h54
